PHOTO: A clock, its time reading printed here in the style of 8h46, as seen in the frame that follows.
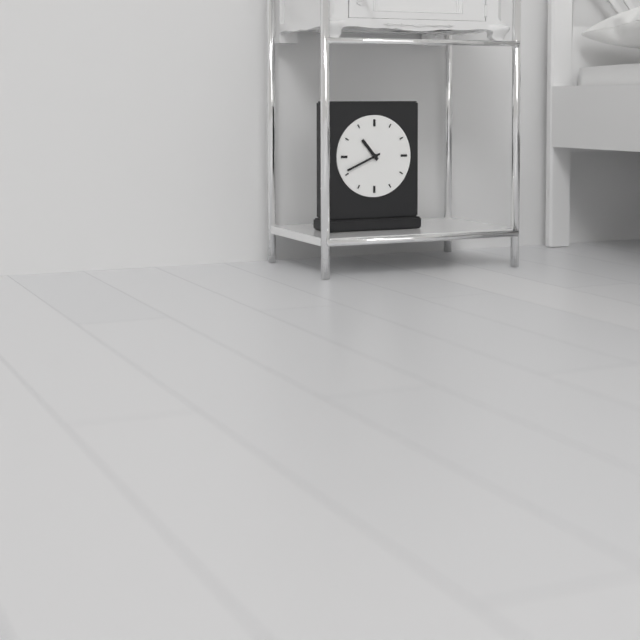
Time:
10h41
